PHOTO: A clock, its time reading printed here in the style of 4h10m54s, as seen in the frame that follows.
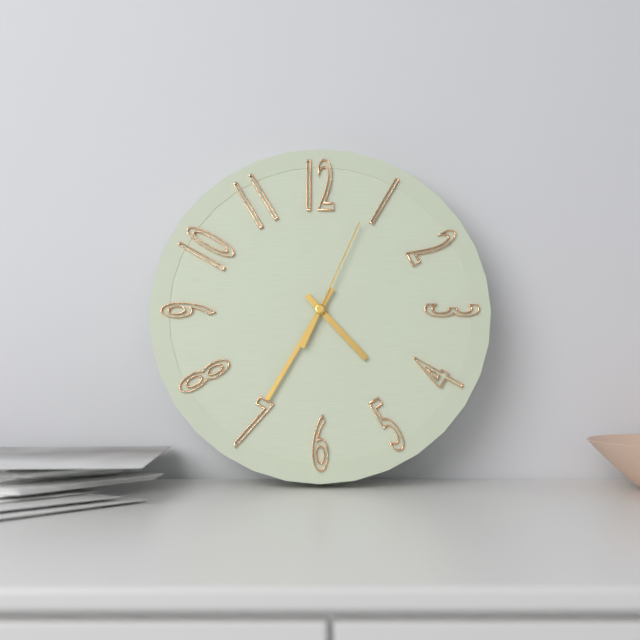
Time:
4h35m04s
